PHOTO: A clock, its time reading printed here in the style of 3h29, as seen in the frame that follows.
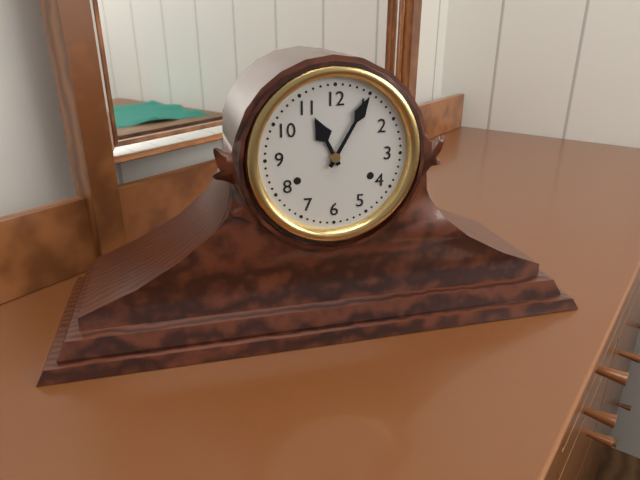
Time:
11h05
